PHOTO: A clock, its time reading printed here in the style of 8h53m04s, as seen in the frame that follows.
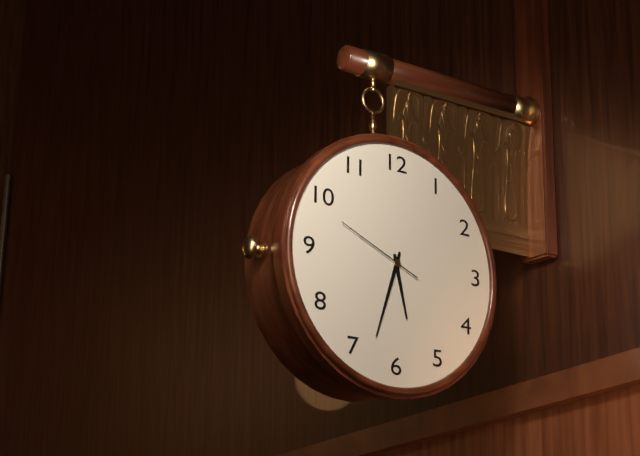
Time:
5h33m49s
